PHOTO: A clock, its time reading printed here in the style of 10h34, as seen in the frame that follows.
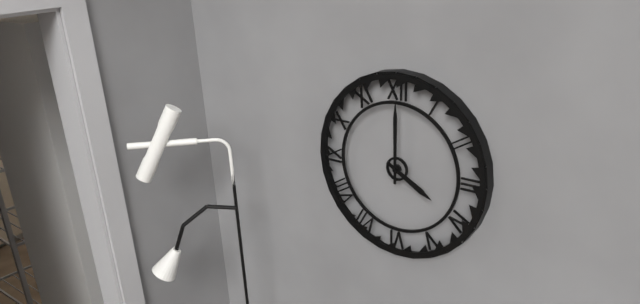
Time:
4h00
